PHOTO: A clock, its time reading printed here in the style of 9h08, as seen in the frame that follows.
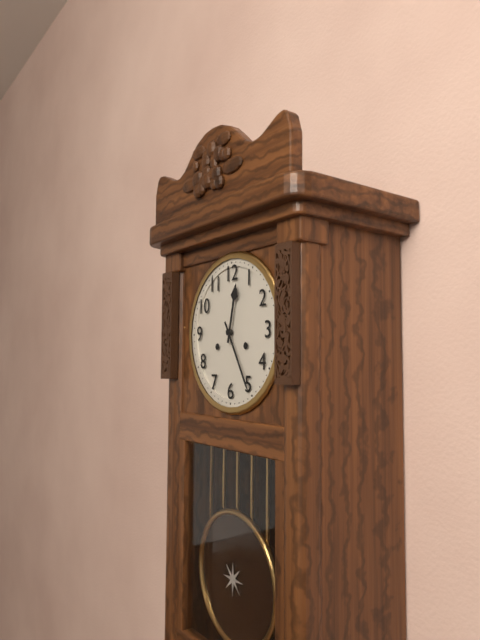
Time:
12h25
